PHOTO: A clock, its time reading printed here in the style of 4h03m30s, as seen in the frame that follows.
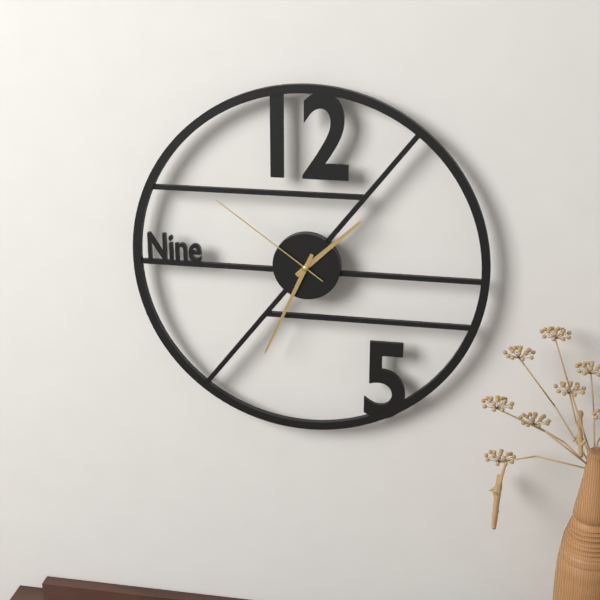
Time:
1h34m51s
